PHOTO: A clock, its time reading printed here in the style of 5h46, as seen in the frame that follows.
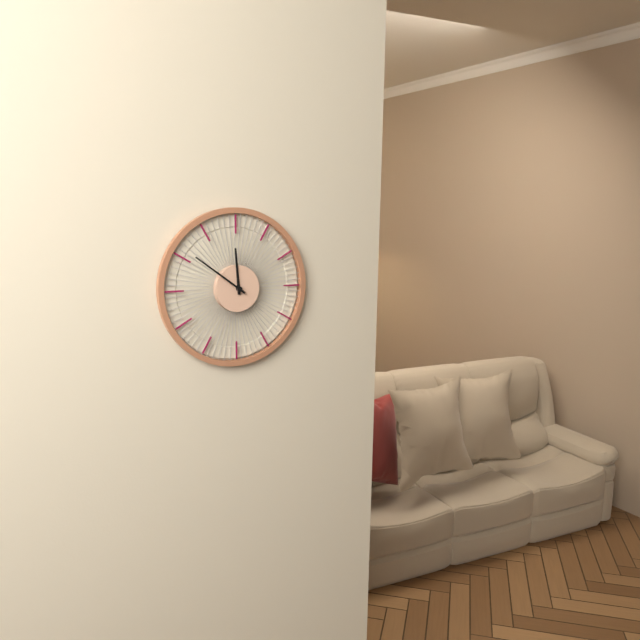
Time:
11h51
